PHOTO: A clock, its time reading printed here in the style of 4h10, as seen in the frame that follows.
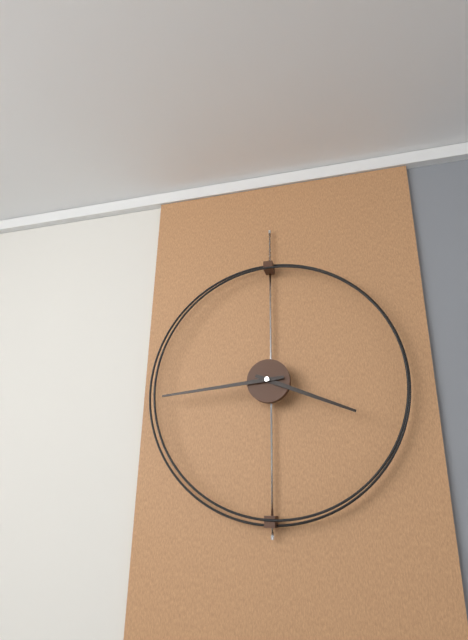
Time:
3h44
